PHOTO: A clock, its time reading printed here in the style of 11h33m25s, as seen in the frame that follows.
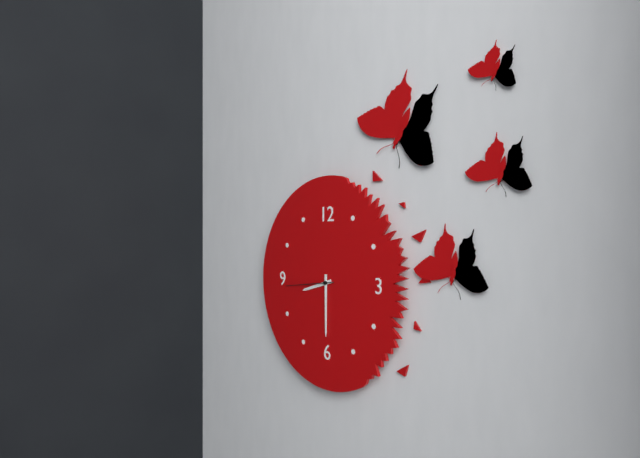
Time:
8h30m44s
